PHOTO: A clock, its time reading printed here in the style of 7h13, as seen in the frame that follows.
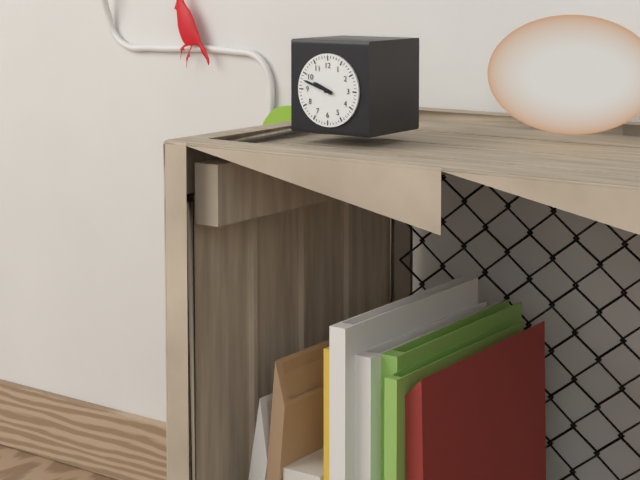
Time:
9h48
